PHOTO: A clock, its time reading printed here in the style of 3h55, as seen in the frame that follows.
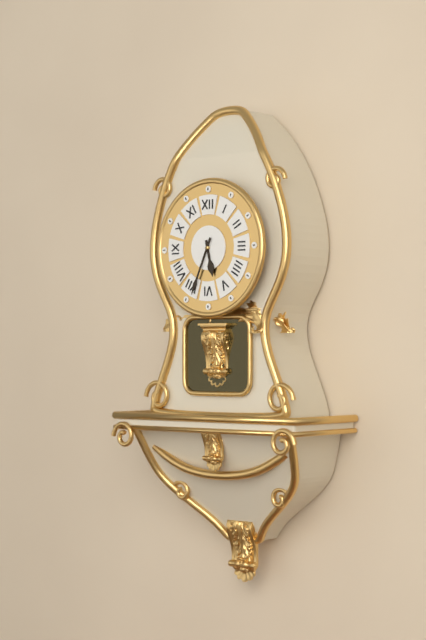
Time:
5h34
